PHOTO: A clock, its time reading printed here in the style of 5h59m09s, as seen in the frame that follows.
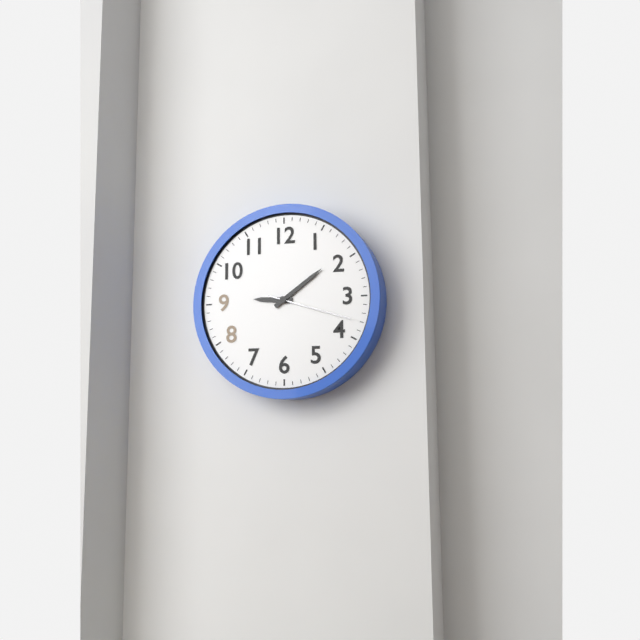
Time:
9h09m18s
